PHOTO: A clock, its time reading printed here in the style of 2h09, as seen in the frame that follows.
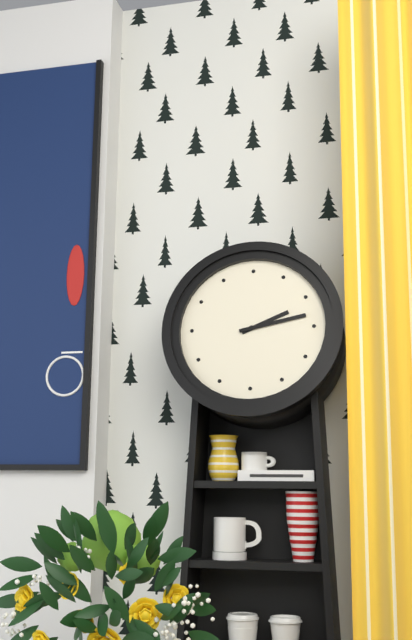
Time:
2h13
